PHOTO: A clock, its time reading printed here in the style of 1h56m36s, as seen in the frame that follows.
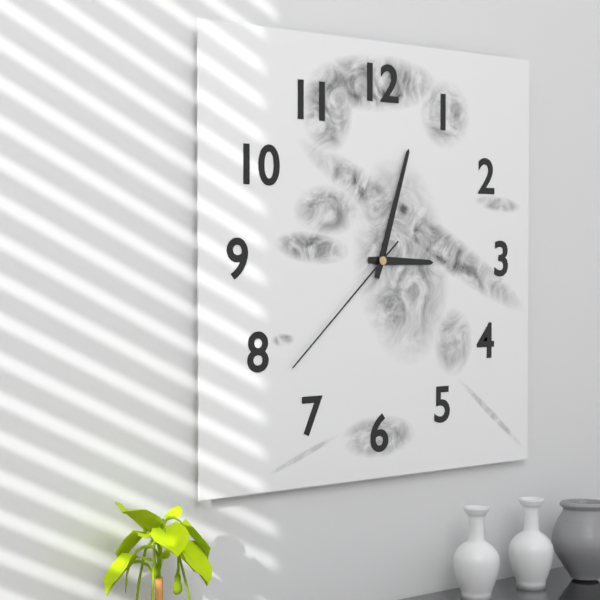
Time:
3h03m38s
